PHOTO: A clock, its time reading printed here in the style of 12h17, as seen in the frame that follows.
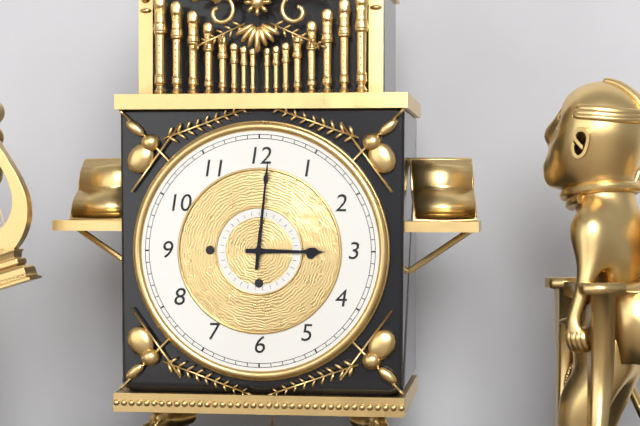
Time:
3h01
